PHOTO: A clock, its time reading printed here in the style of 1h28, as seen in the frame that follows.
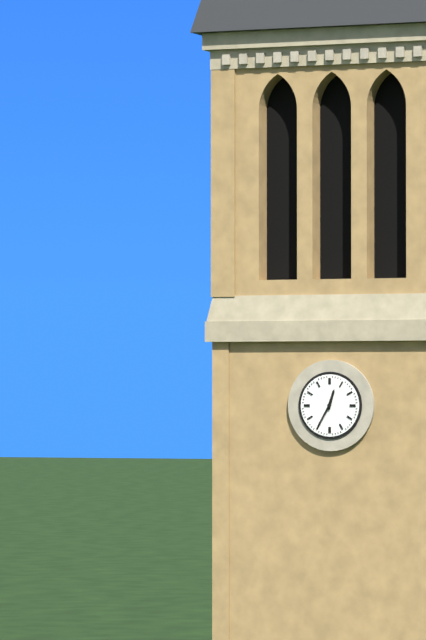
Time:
12h35
